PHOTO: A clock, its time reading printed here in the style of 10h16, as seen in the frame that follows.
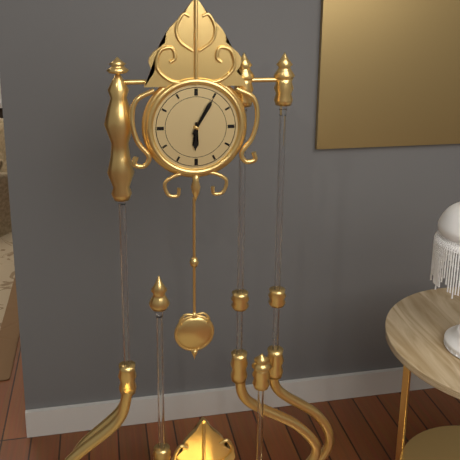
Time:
6h05
